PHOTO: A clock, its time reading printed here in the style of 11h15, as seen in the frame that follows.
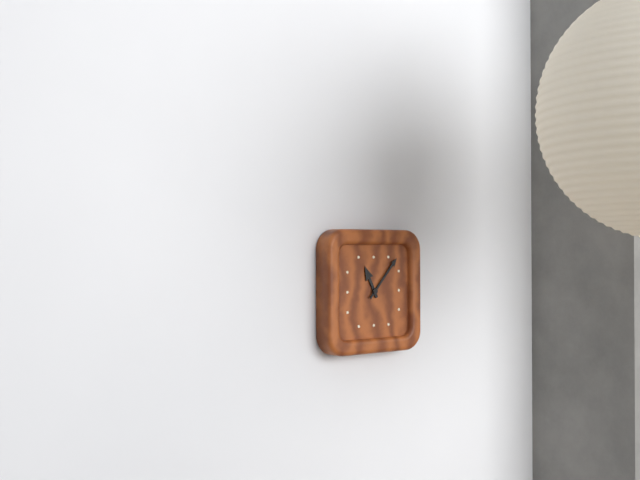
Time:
11h07
